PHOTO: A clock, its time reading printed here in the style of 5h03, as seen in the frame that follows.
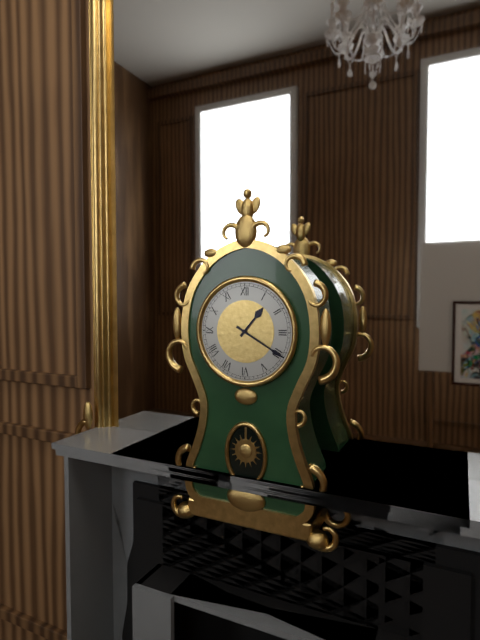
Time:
1h20
